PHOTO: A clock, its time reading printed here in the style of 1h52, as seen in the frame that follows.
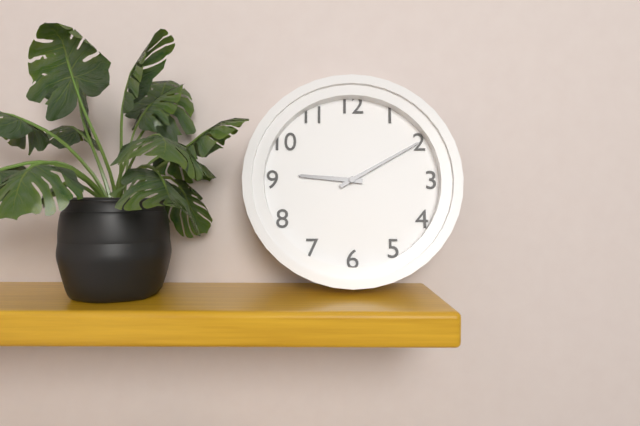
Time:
9h10
